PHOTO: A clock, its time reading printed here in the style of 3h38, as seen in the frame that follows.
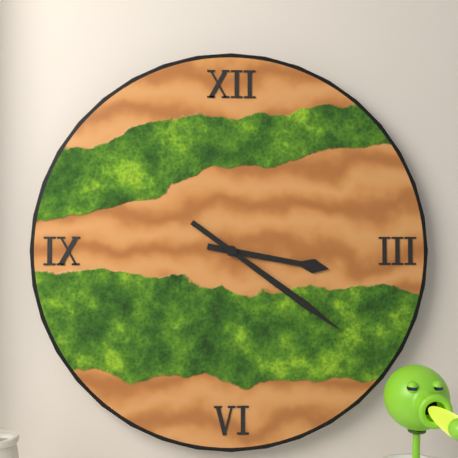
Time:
3h21
